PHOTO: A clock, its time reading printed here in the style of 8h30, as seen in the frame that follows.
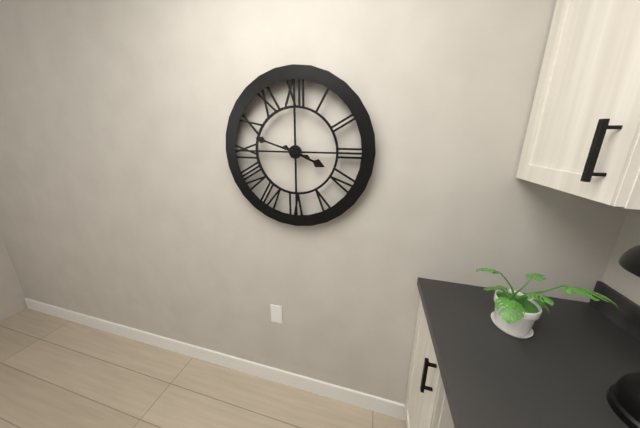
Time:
3h48
